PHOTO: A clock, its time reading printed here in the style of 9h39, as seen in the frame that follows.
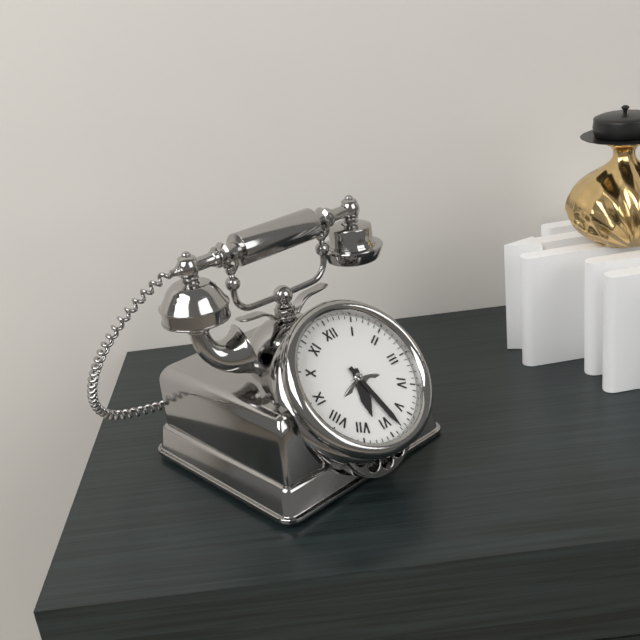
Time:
6h28
